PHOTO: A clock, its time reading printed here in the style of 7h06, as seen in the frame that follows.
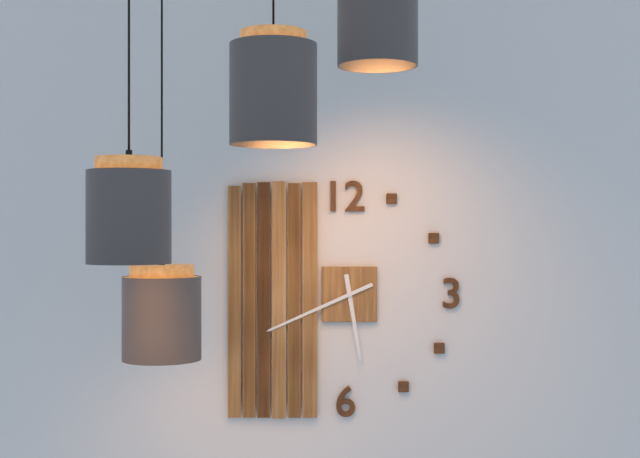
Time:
5h41
